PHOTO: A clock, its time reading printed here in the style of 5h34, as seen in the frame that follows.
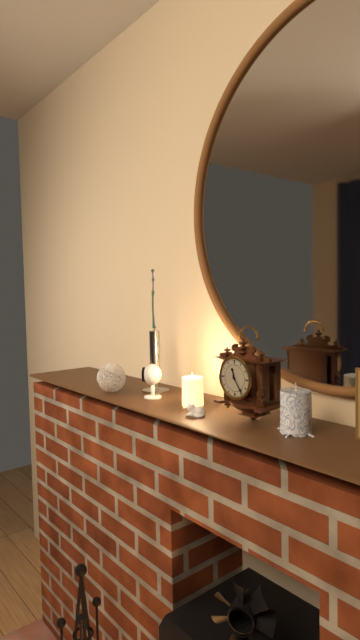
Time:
11h24
